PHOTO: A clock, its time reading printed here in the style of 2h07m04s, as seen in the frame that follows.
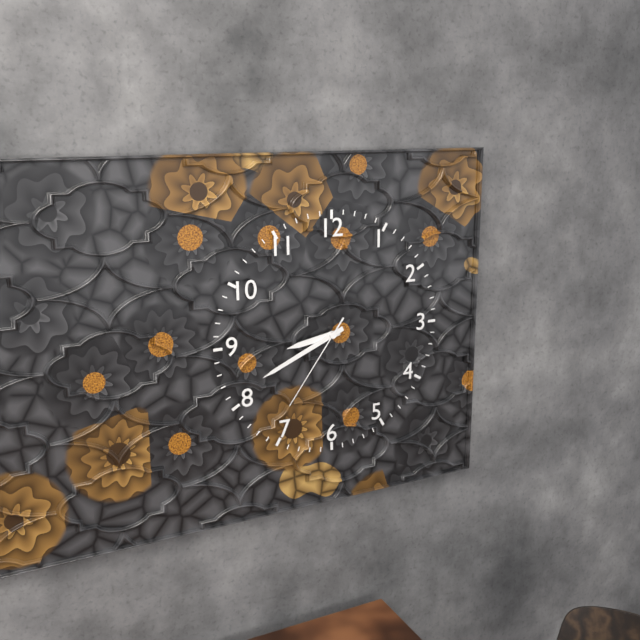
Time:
8h41m36s
